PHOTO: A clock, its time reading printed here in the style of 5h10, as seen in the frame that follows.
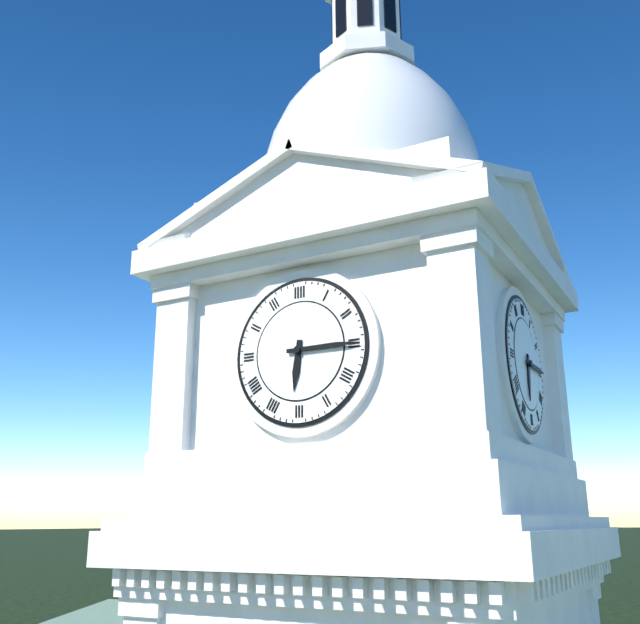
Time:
6h15
